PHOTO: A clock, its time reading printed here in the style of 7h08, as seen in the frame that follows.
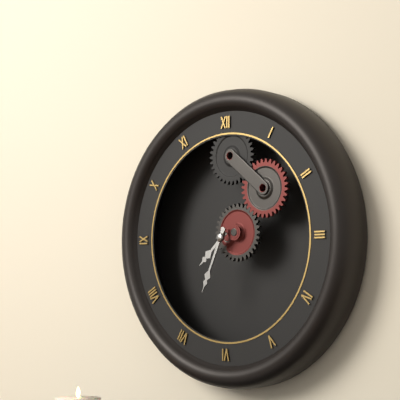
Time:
7h34
